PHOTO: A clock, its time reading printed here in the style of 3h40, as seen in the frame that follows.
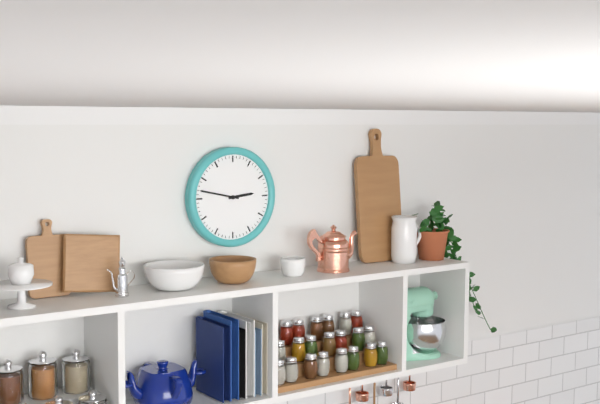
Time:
2h47
